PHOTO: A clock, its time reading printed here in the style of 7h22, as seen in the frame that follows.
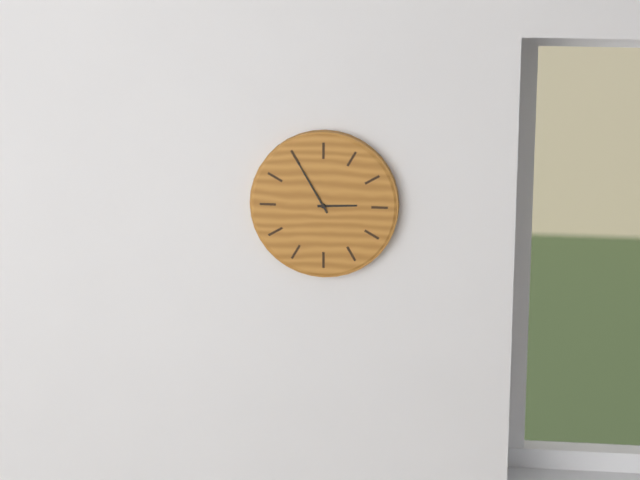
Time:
2h55
